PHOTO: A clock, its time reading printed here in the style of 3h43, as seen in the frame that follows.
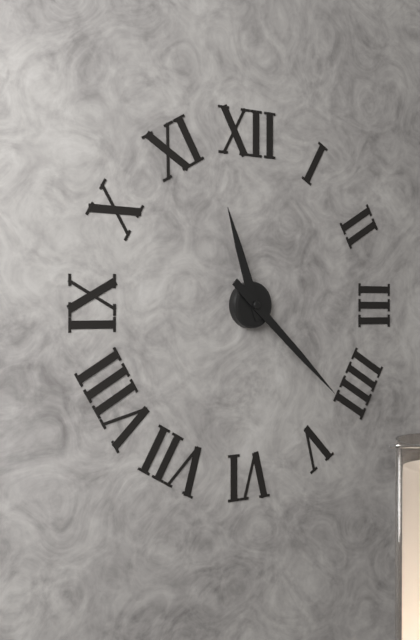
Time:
11h22
